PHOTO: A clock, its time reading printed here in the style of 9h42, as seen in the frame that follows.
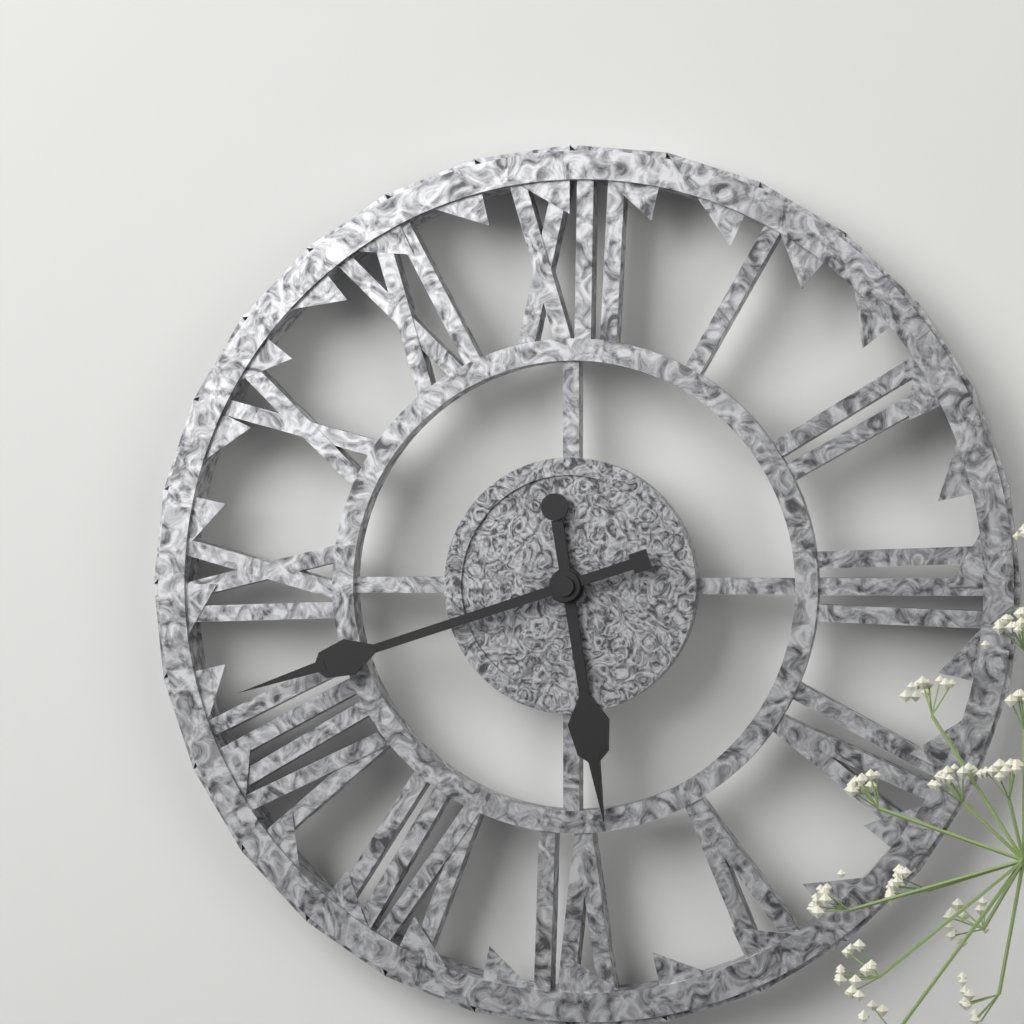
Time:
5h42
